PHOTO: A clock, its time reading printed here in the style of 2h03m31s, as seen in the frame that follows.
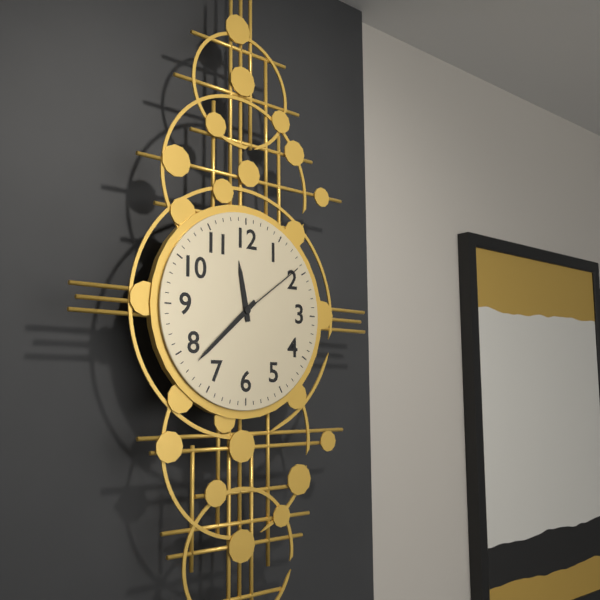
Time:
11h38m09s
